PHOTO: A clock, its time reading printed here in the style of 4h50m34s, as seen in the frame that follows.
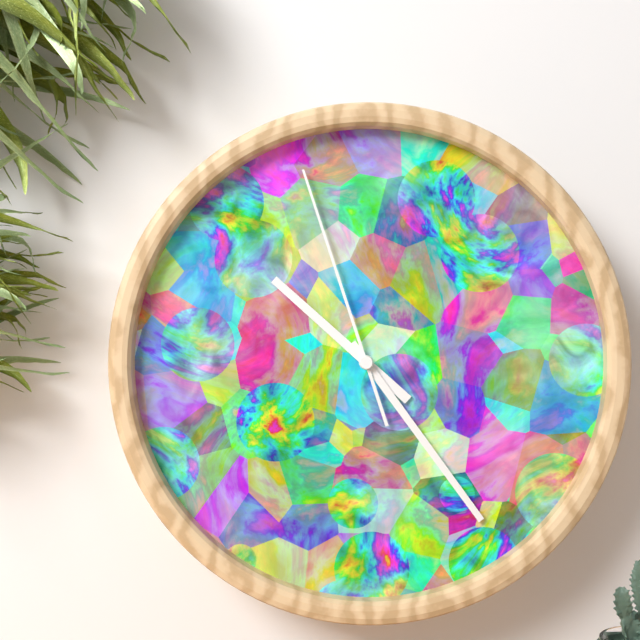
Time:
10h24m57s
